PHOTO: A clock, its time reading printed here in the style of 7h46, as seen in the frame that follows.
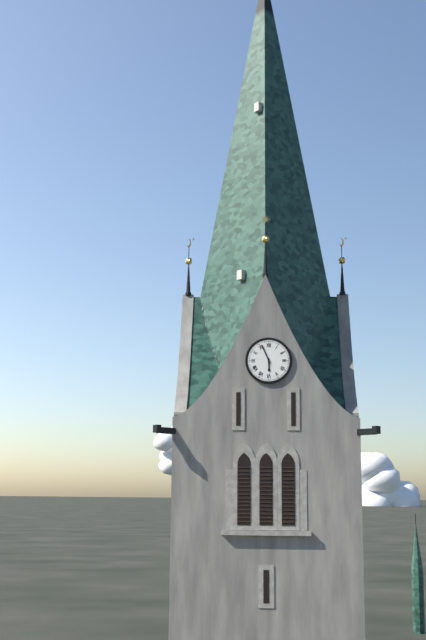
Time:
5h56
